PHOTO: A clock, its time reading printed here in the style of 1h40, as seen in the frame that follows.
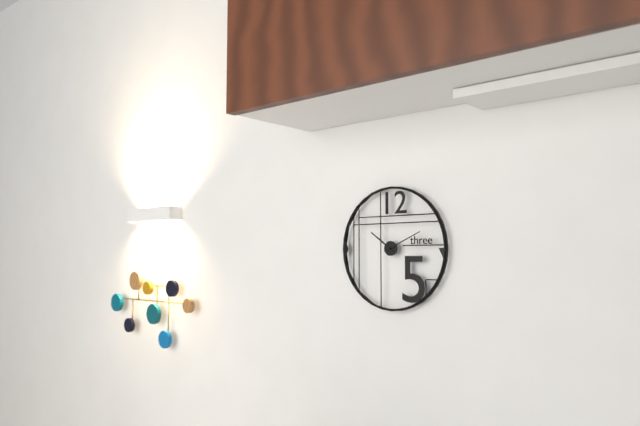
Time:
10h11
